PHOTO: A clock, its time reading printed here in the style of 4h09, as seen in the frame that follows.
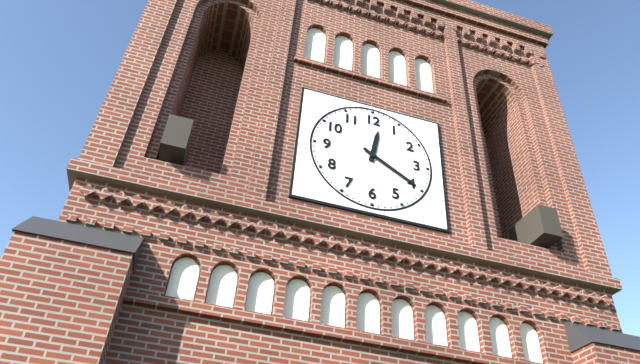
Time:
12h20
